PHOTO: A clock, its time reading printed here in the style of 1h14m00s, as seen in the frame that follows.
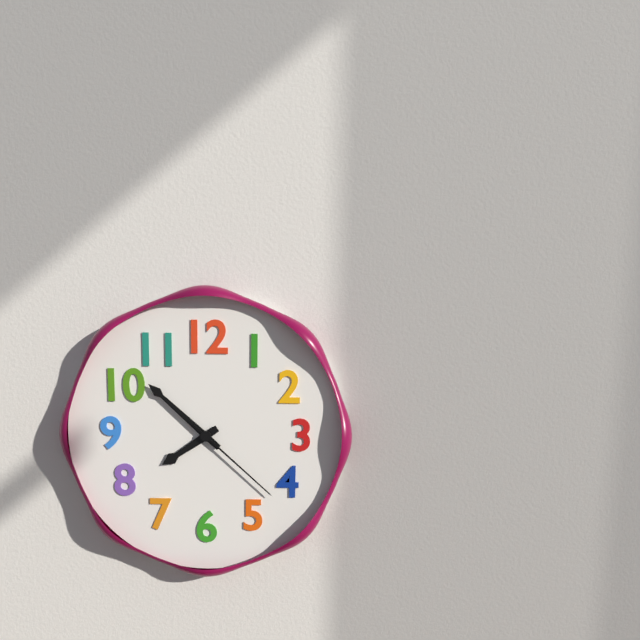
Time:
7h52m22s
